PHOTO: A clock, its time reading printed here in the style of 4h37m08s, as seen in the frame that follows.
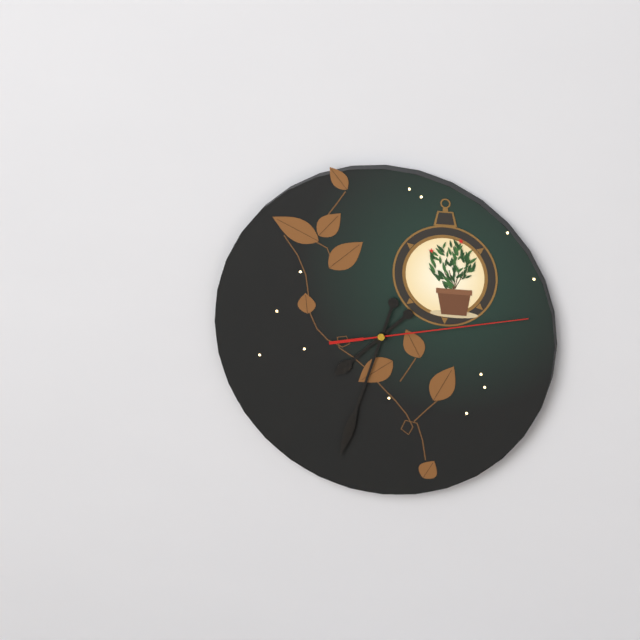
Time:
7h33m13s
